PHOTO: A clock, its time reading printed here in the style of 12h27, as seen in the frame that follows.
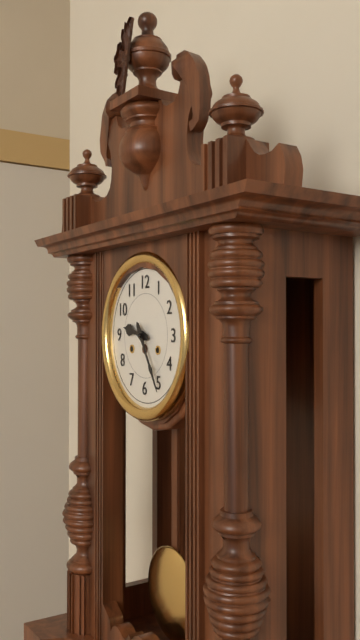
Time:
9h25
